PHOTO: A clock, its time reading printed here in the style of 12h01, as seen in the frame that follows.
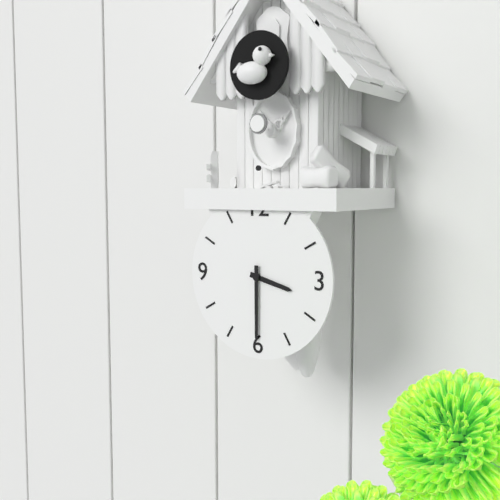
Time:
3h30
